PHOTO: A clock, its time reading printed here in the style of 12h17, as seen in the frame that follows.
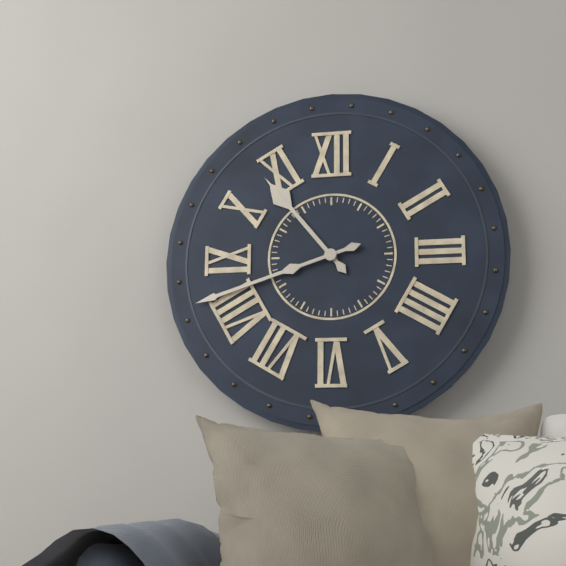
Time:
10h42
